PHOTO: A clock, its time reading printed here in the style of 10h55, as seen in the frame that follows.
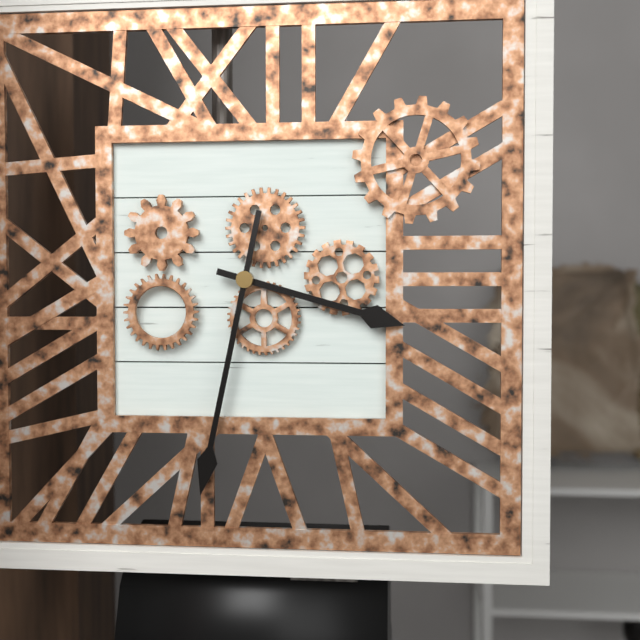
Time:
3h32
